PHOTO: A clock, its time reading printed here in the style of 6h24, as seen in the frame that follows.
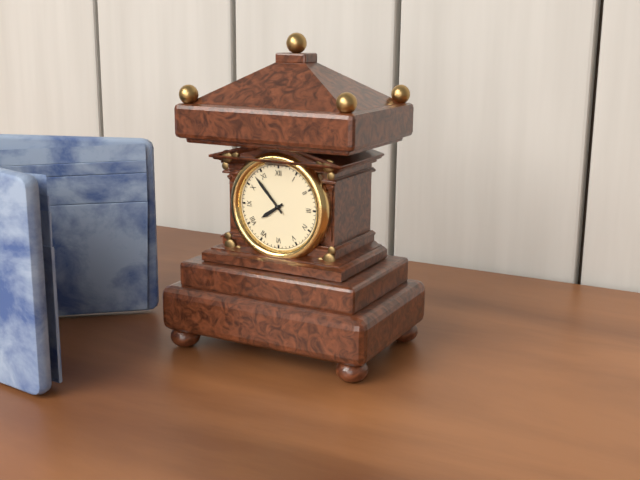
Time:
7h53
